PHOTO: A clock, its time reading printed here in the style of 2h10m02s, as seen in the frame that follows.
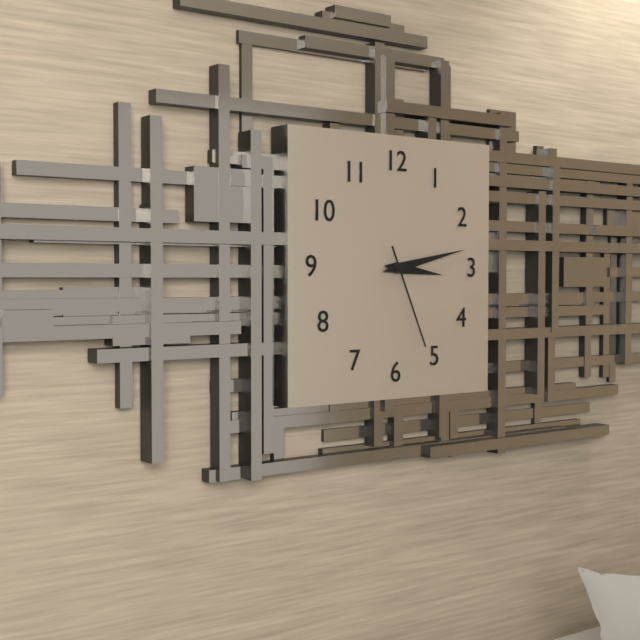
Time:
3h13m26s
